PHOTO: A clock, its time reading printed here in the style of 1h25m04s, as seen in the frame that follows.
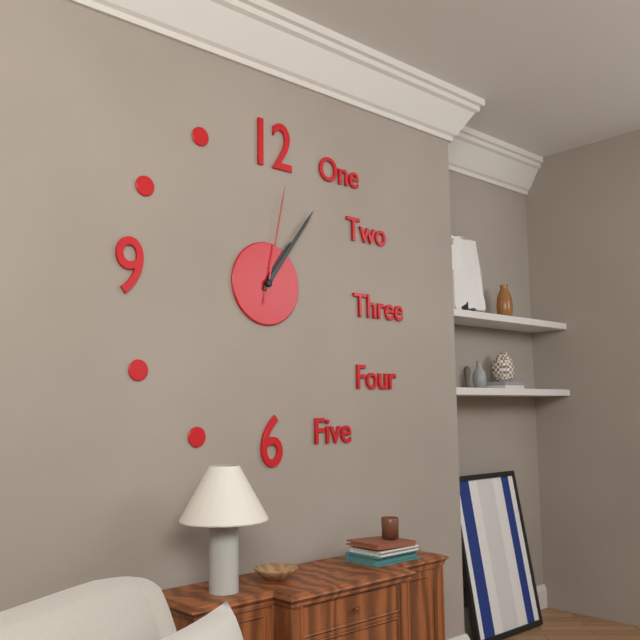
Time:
1h06m02s
